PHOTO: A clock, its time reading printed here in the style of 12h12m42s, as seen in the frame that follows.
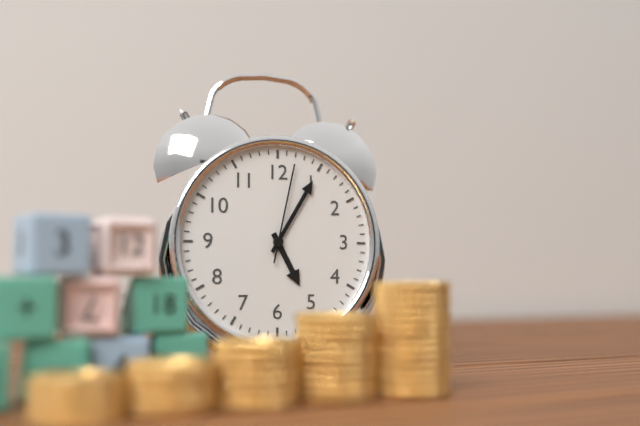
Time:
5h05m02s
